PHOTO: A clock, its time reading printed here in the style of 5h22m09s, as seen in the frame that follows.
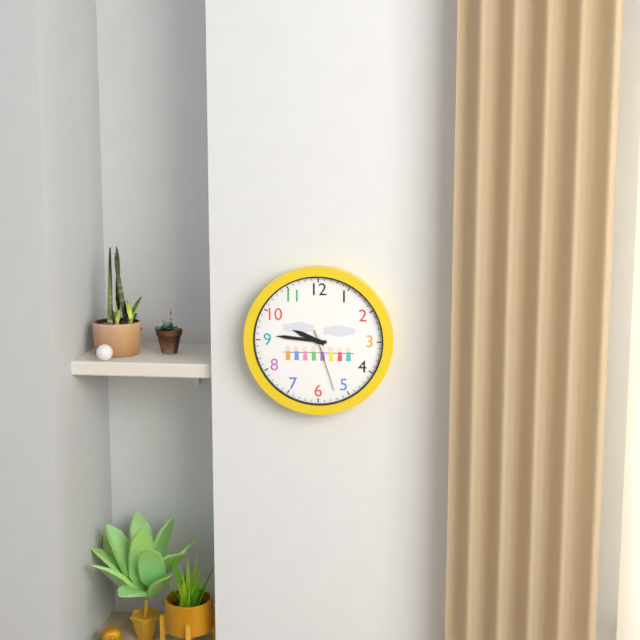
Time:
9h46m27s
